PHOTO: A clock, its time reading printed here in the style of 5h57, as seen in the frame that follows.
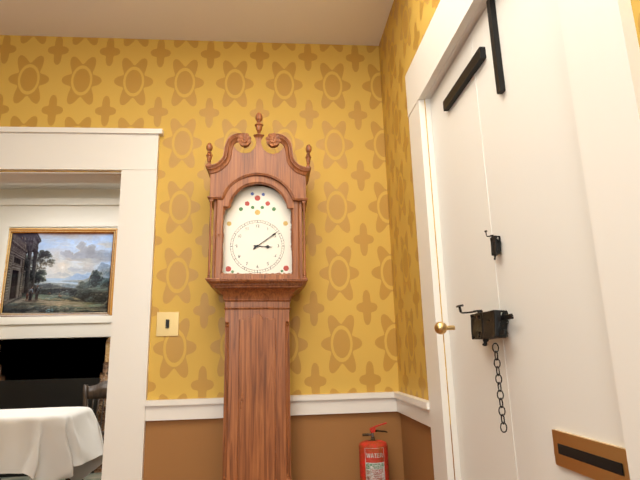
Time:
3h09
